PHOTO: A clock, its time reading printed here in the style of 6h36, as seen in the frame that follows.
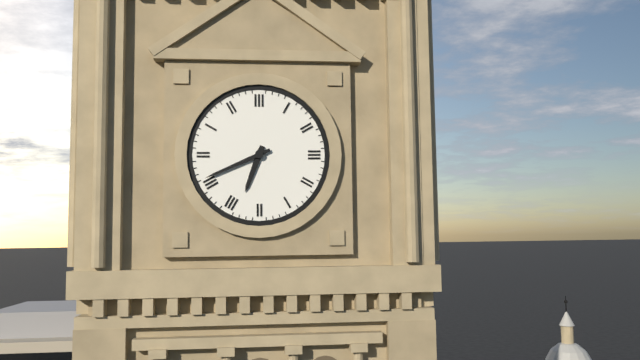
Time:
6h41
